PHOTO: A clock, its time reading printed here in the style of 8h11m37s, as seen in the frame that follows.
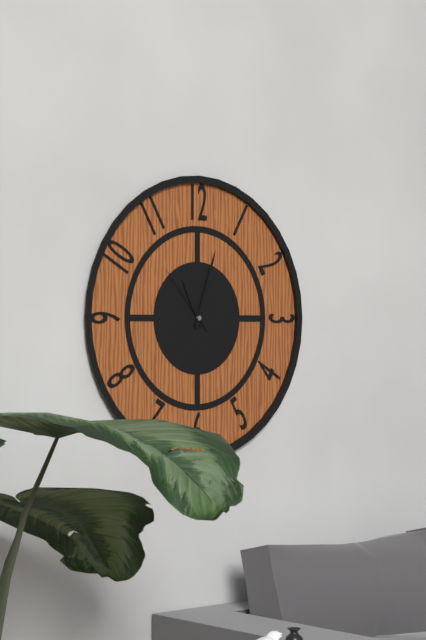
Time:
11h03m53s
